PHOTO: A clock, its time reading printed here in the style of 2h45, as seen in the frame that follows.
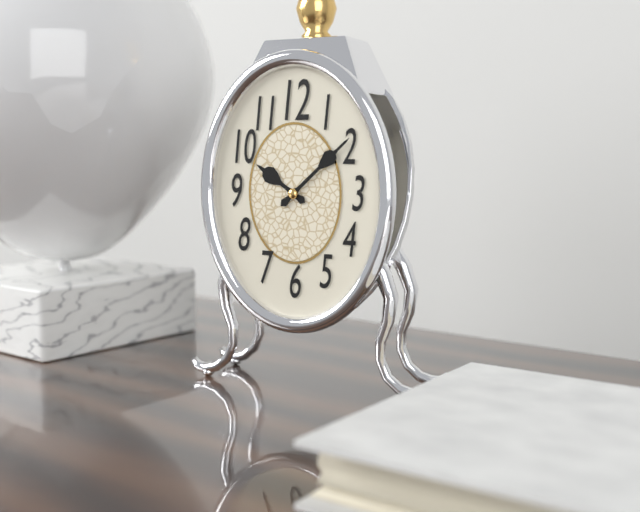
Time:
10h08
